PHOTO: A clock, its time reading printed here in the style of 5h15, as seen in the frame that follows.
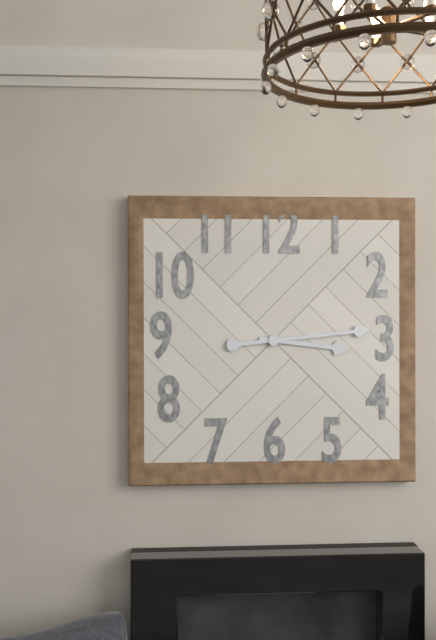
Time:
3h14
